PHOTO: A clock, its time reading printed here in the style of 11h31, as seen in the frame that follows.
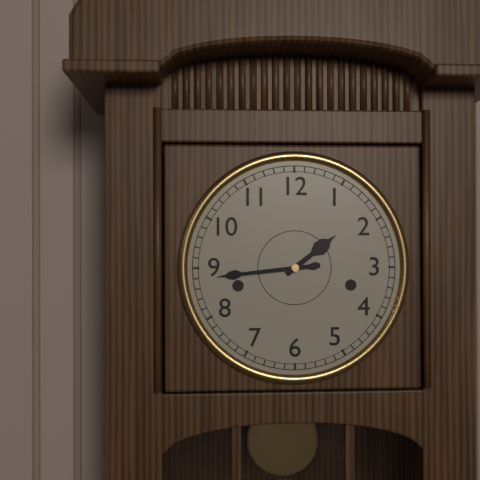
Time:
1h44
